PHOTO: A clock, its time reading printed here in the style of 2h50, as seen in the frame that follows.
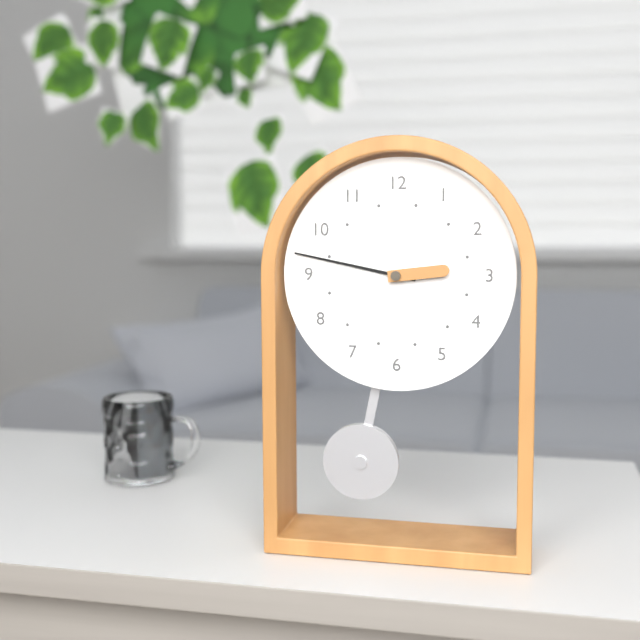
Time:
2h47
